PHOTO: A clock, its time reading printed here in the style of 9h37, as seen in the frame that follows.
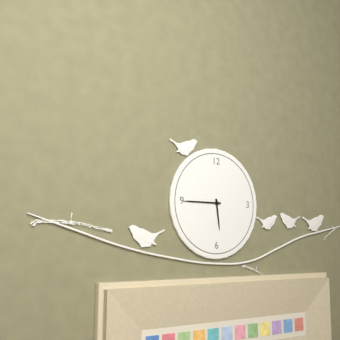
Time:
5h45
